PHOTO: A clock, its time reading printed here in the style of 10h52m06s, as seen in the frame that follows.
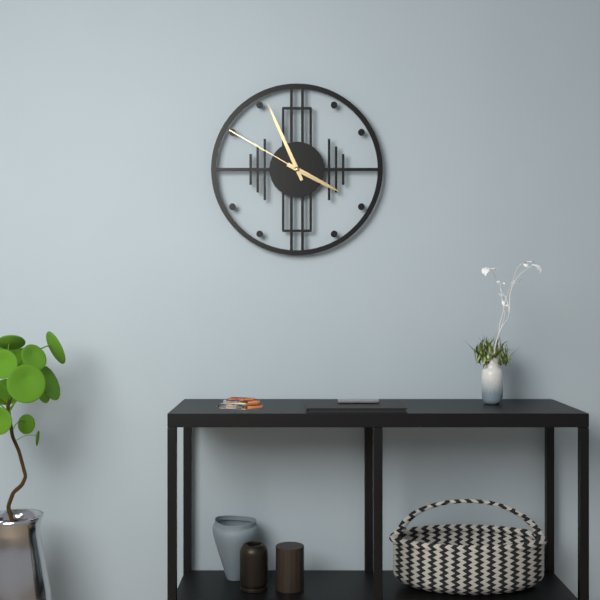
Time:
3h56m50s
